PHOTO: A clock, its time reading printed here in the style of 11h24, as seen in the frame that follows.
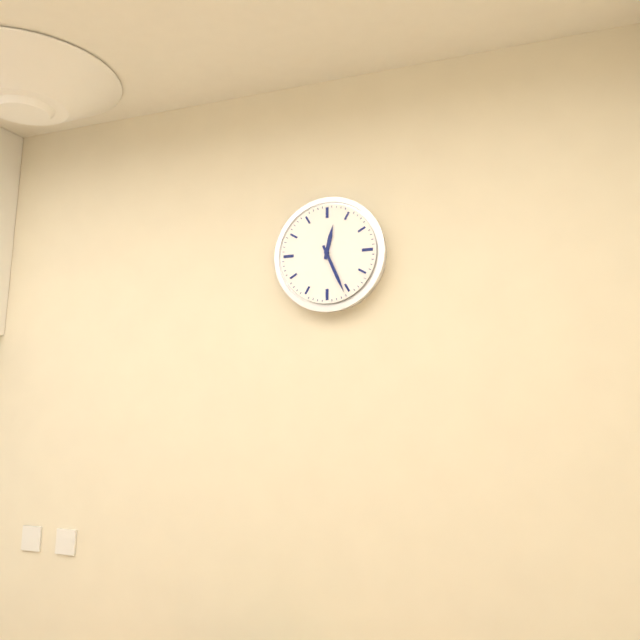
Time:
12h26
